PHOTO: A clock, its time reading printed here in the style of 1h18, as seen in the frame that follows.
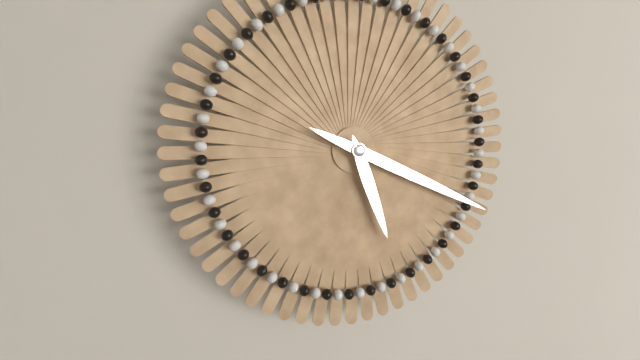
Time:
5h19
